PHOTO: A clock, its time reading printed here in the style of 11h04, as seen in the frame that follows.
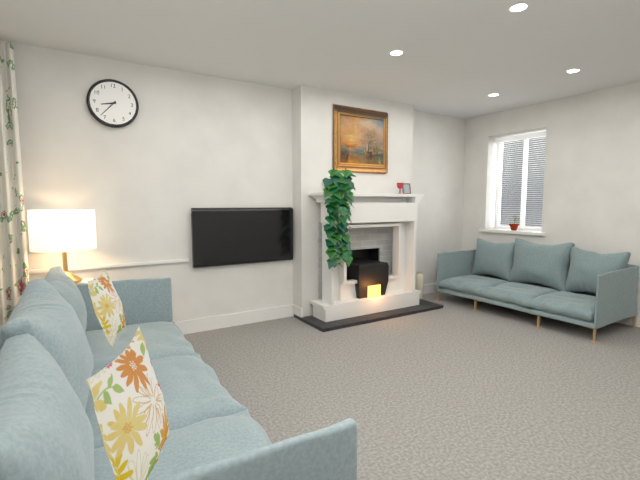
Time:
8h37
